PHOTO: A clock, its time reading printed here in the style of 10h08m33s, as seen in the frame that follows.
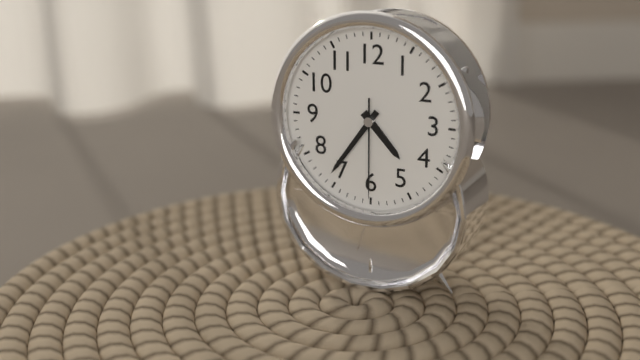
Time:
4h36m30s
